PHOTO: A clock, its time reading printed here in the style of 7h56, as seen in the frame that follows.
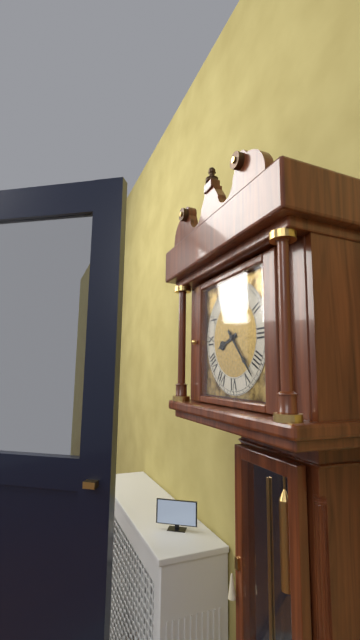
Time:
8h23
